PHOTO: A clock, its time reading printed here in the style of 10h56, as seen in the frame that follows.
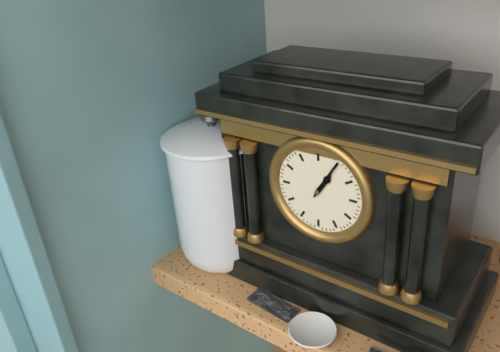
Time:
1h05
